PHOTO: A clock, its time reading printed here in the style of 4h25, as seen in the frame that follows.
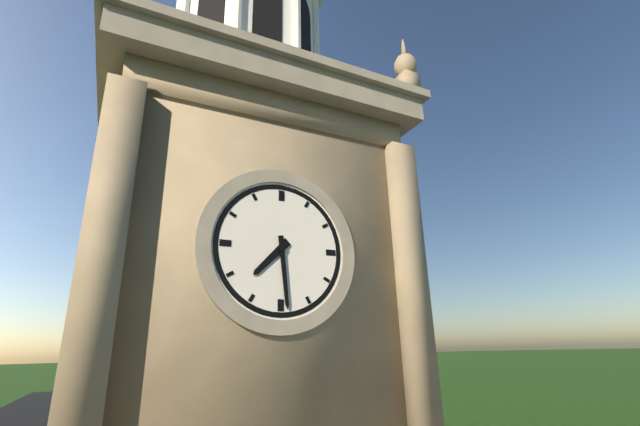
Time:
7h29
